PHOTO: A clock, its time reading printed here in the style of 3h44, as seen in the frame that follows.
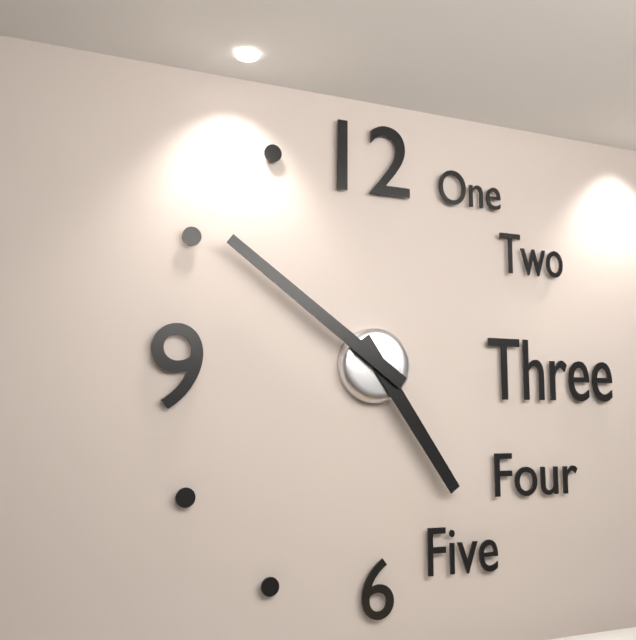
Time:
4h51
